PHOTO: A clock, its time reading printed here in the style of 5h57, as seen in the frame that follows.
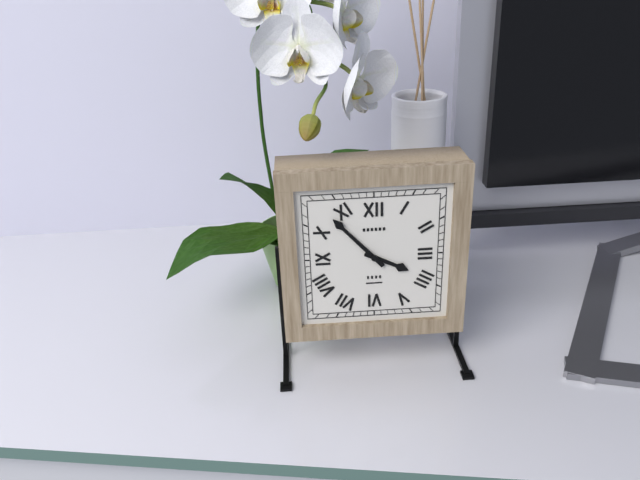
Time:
3h53
